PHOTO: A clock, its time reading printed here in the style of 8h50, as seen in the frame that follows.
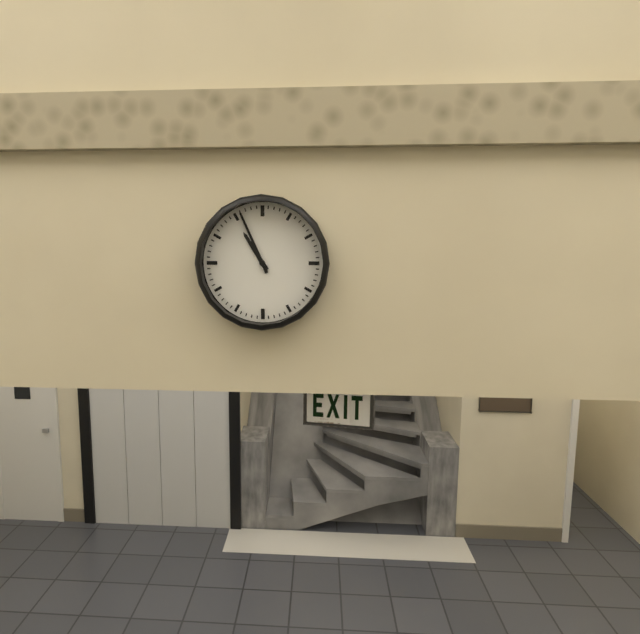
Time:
10h56
